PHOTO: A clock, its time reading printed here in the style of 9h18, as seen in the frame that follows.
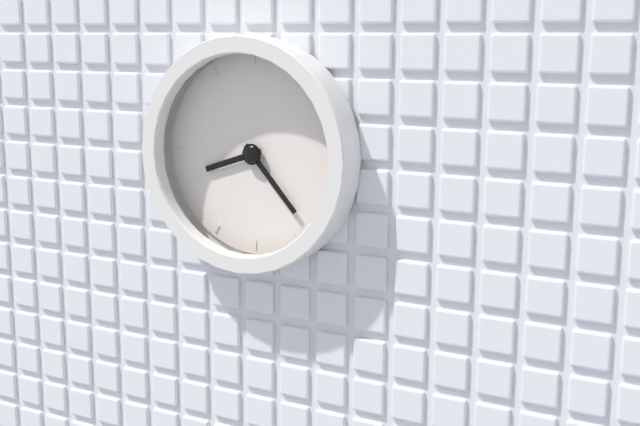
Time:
8h23
